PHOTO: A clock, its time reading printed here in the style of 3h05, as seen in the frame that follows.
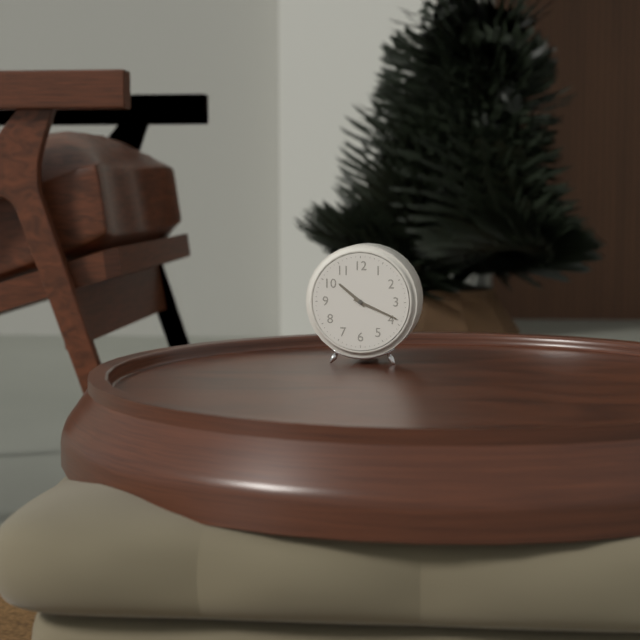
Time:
10h19
